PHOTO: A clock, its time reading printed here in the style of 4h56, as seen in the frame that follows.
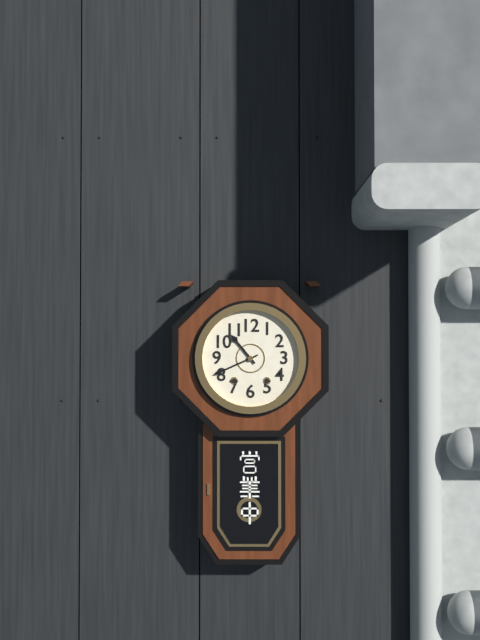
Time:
10h41
